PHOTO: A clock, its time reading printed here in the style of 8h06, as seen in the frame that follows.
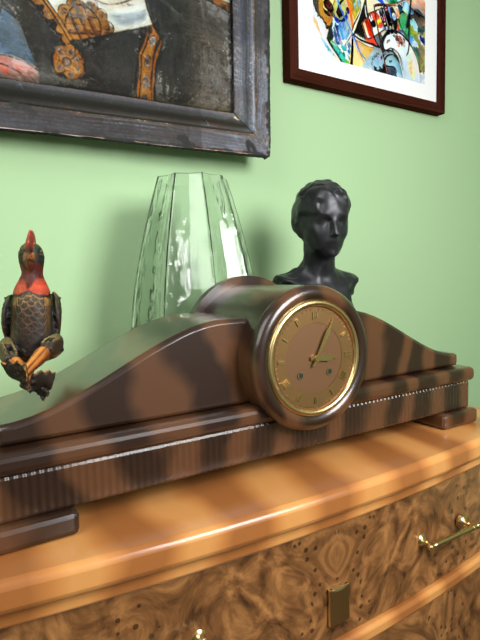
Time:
3h05
